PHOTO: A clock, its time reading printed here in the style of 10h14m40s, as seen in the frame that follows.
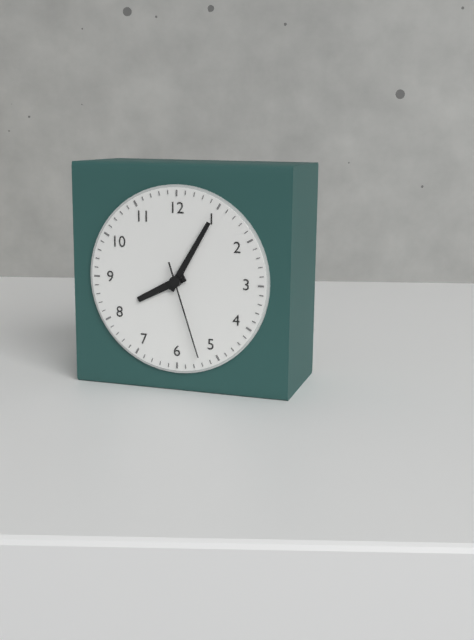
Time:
8h05m27s
